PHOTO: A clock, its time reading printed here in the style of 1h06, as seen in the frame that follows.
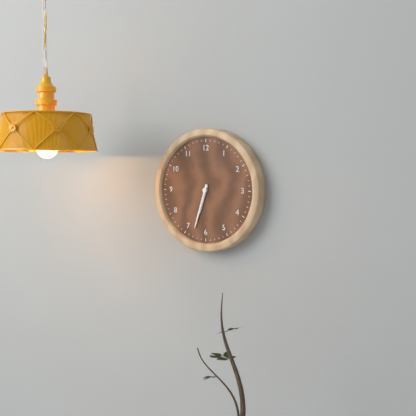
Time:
6h33
